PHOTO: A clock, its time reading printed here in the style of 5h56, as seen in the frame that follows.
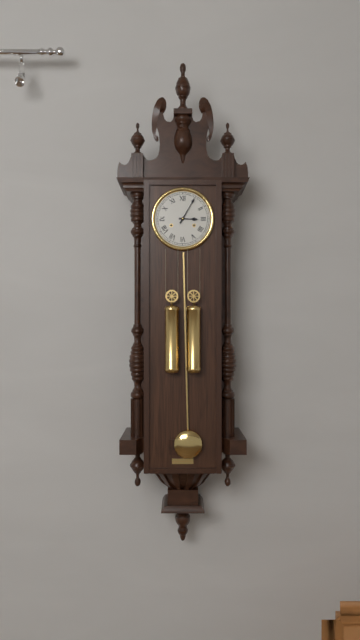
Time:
3h05
